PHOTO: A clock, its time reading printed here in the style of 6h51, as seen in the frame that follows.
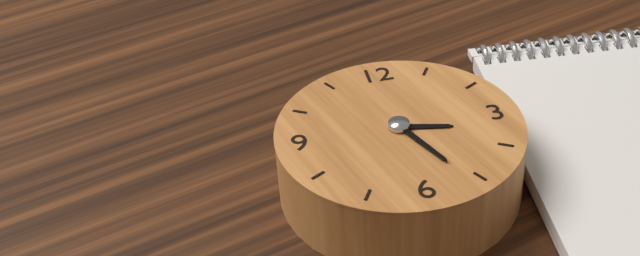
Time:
3h26
